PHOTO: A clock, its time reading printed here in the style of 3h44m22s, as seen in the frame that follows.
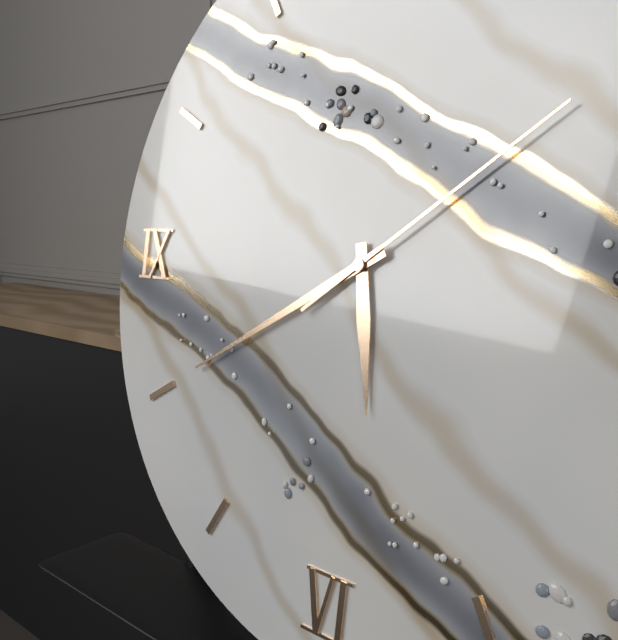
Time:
5h40m09s
